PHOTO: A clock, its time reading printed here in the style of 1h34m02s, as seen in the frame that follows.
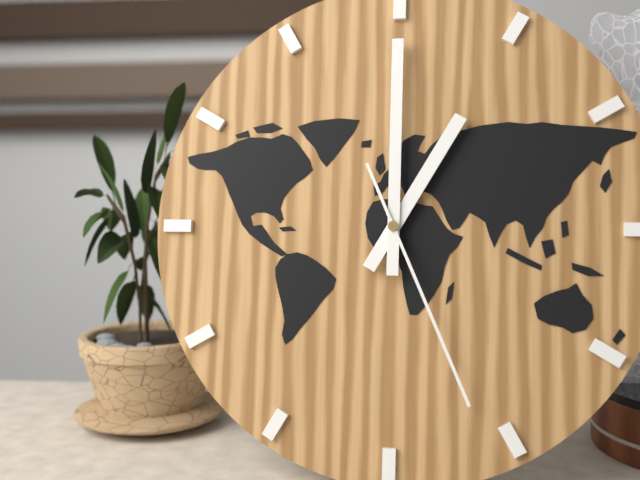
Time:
1h00m26s
